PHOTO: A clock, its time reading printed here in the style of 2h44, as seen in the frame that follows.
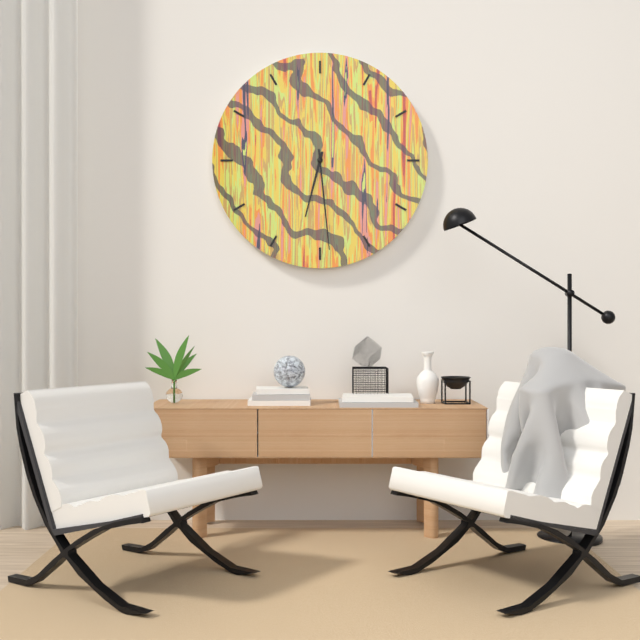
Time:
6h29
